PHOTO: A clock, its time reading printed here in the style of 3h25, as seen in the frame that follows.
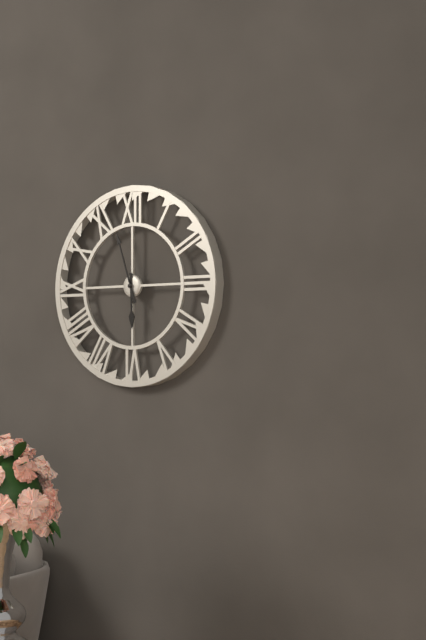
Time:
5h57
